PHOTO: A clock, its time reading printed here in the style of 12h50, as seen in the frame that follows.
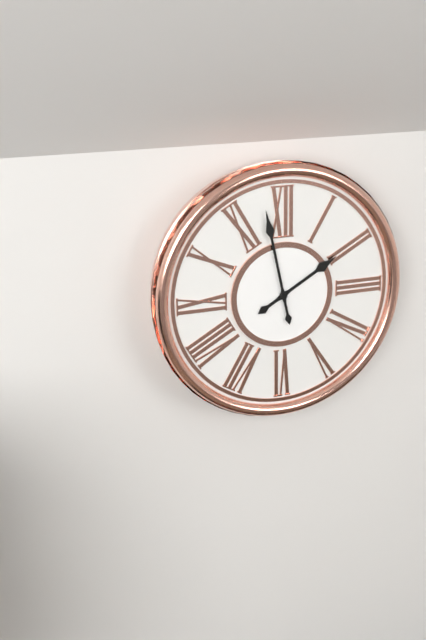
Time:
1h58
